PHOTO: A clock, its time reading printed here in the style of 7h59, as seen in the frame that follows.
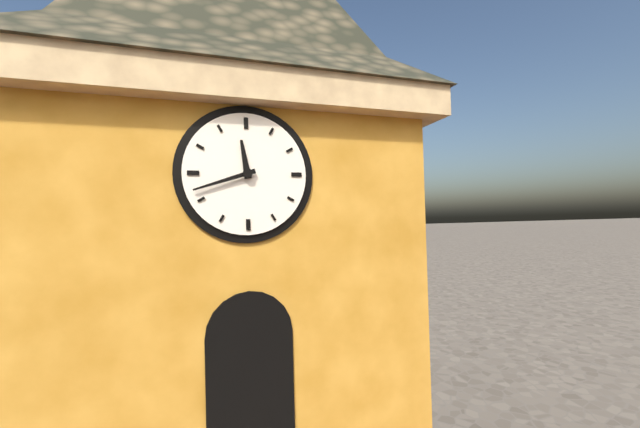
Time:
11h42
